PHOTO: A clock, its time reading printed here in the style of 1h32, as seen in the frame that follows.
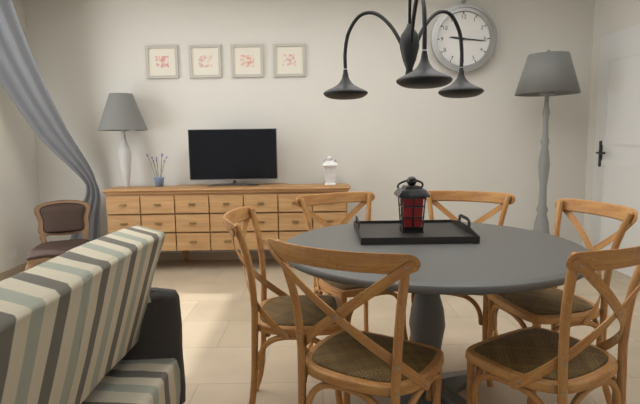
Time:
9h16
